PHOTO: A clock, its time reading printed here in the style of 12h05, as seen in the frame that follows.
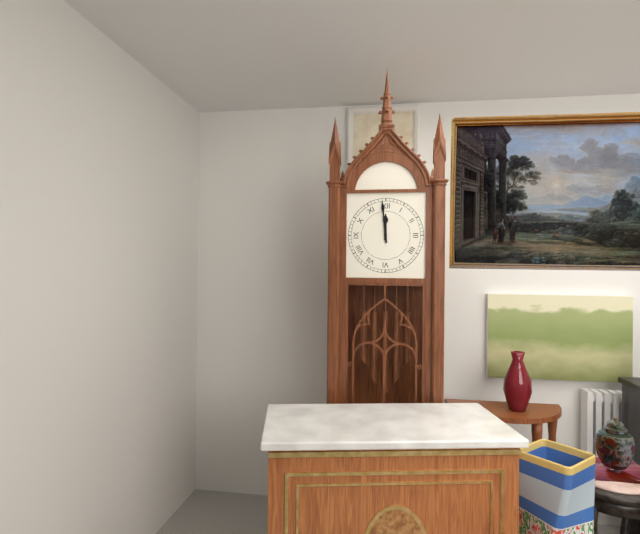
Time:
11h59
